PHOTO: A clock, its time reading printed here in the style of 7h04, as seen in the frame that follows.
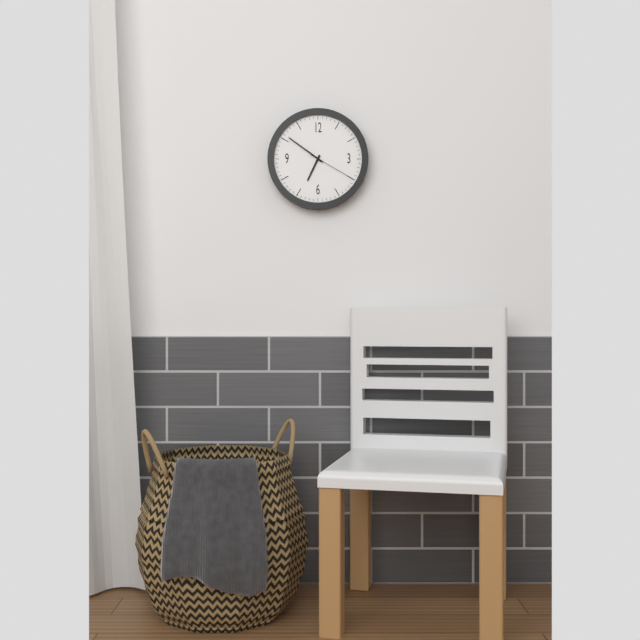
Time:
6h51
